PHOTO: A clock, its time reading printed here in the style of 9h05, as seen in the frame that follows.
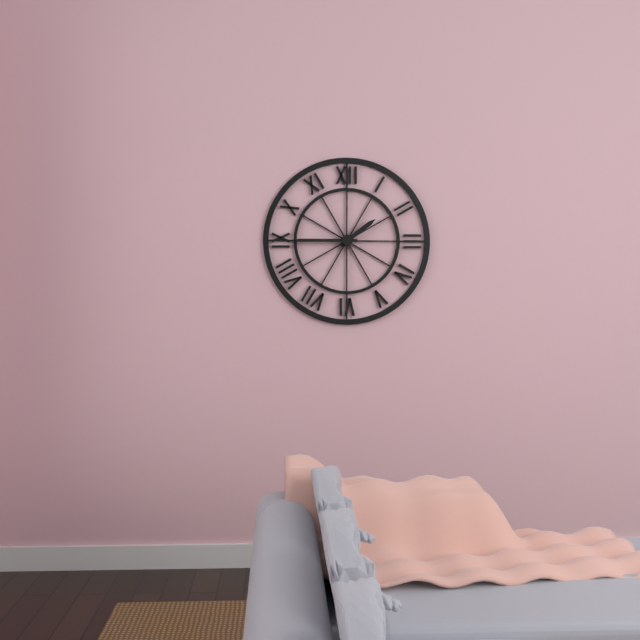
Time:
1h45
